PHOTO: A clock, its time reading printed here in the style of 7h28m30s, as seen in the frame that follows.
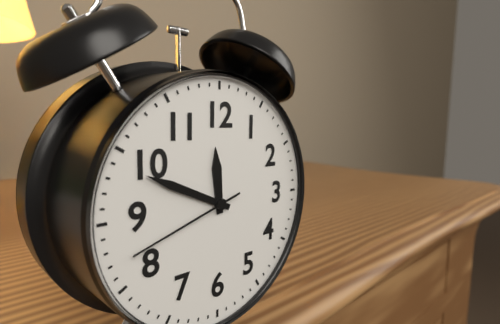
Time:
11h49m42s
